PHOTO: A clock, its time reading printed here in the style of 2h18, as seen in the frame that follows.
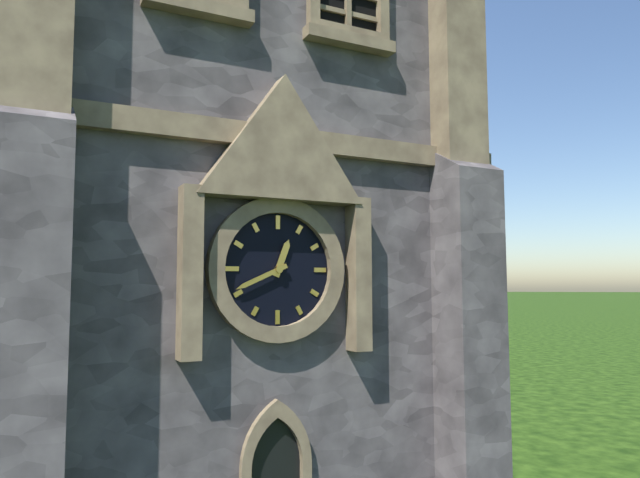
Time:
12h41
